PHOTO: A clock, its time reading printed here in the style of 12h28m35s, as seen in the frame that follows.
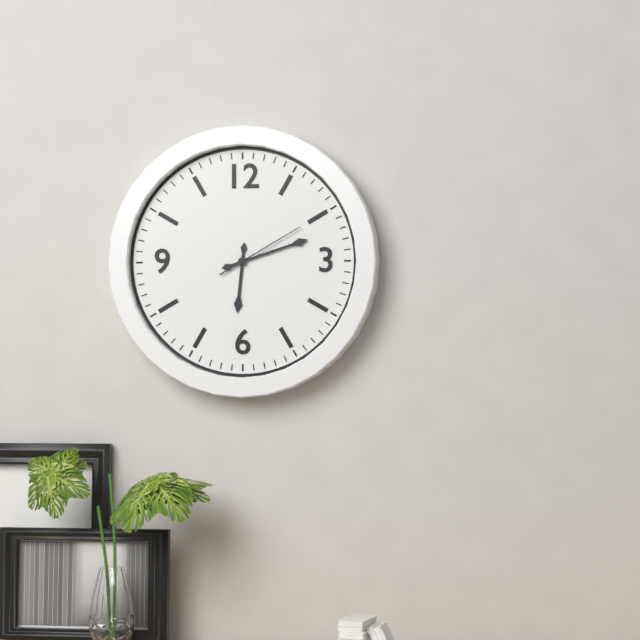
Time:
6h12m10s
